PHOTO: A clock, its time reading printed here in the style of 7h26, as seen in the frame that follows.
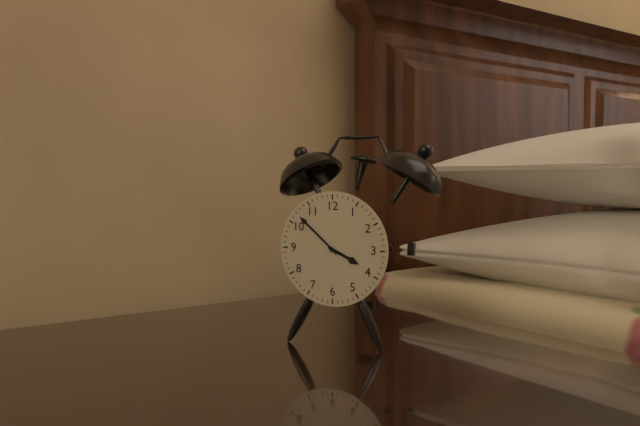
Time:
3h52
